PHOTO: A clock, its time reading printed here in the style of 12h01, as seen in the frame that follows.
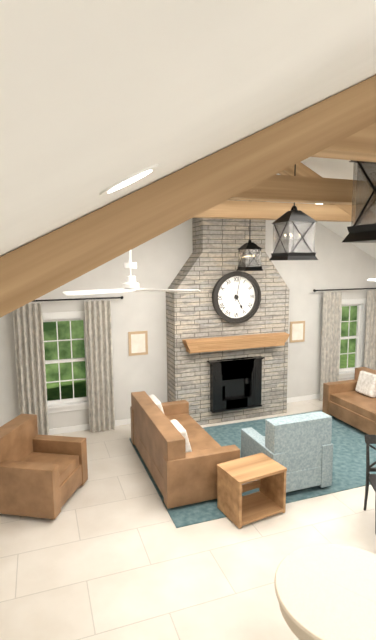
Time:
5h02
